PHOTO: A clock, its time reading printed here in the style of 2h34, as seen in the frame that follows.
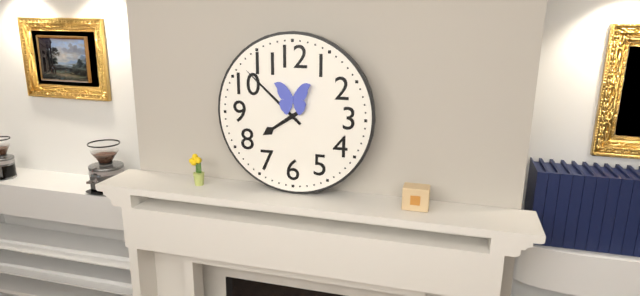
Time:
7h52
